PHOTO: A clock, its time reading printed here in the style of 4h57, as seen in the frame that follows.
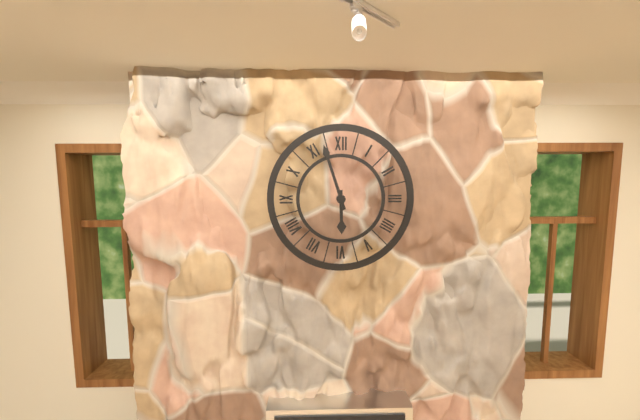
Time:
5h57
